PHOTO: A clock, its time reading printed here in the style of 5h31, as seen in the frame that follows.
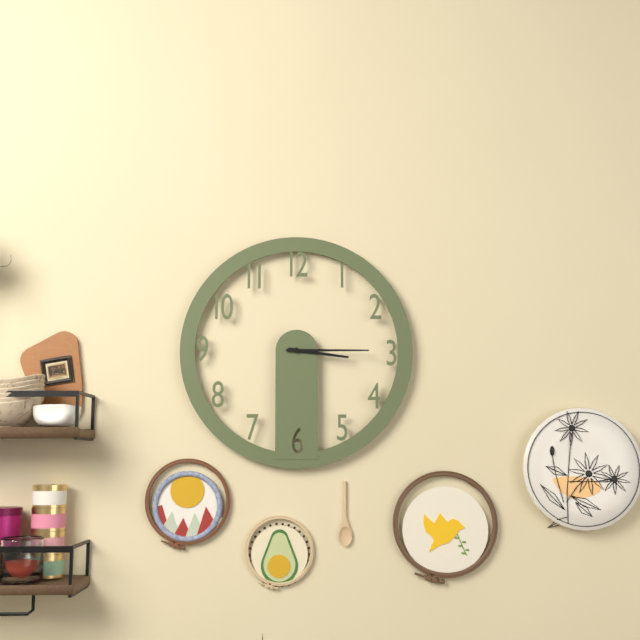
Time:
3h15
